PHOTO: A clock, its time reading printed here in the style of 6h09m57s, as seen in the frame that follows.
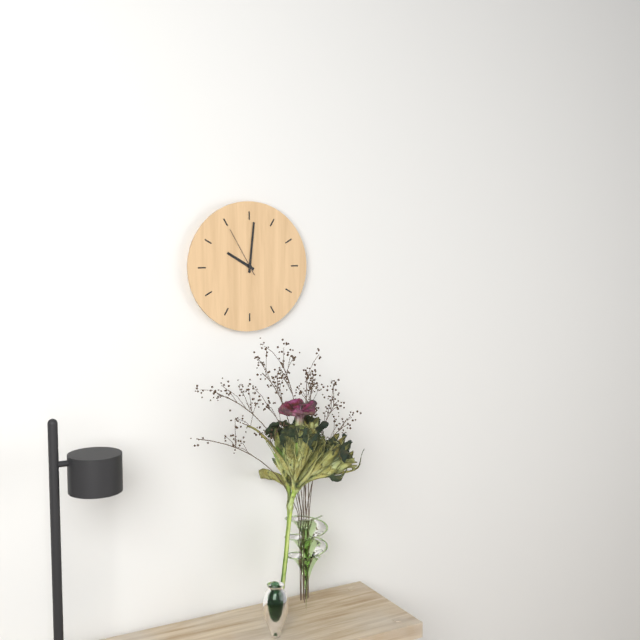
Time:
10h01m55s
